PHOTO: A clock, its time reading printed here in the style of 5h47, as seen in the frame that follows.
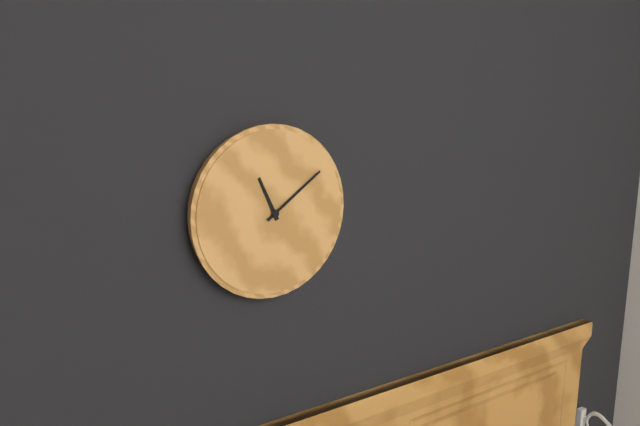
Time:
11h09
